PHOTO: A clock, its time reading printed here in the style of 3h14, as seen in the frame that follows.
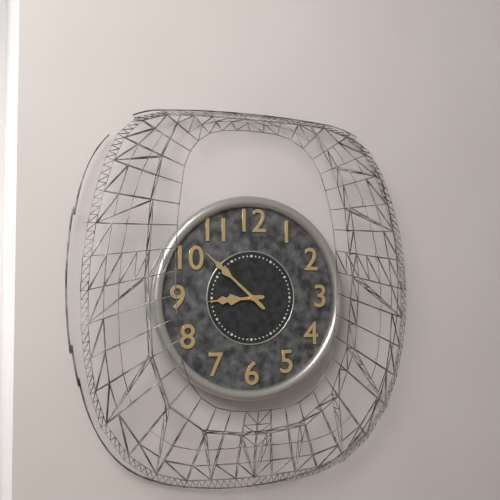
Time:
8h52
